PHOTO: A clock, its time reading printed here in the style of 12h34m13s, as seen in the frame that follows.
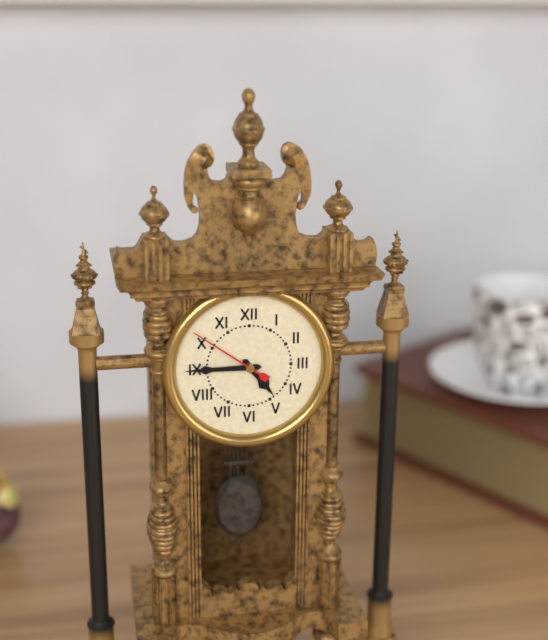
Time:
4h45m51s
